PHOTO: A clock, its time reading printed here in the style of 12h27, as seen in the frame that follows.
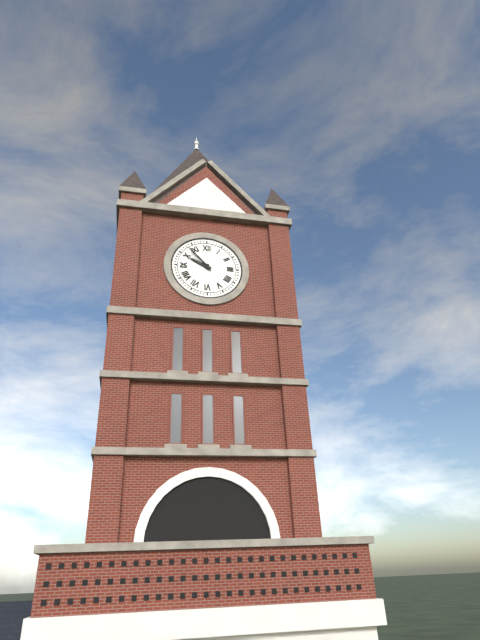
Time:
9h53
